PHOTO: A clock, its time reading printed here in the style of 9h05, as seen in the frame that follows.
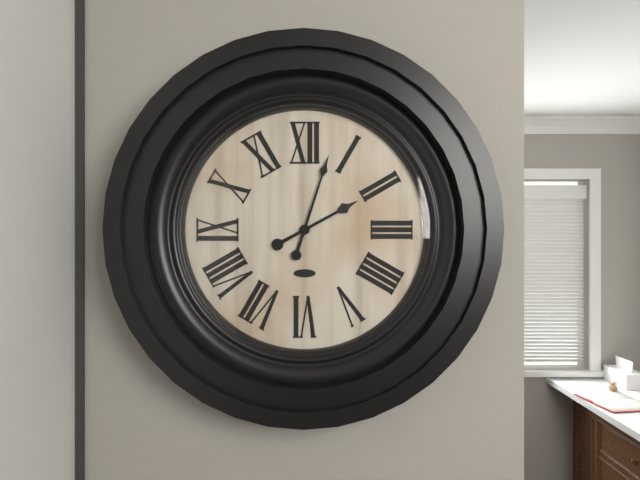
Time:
2h03
